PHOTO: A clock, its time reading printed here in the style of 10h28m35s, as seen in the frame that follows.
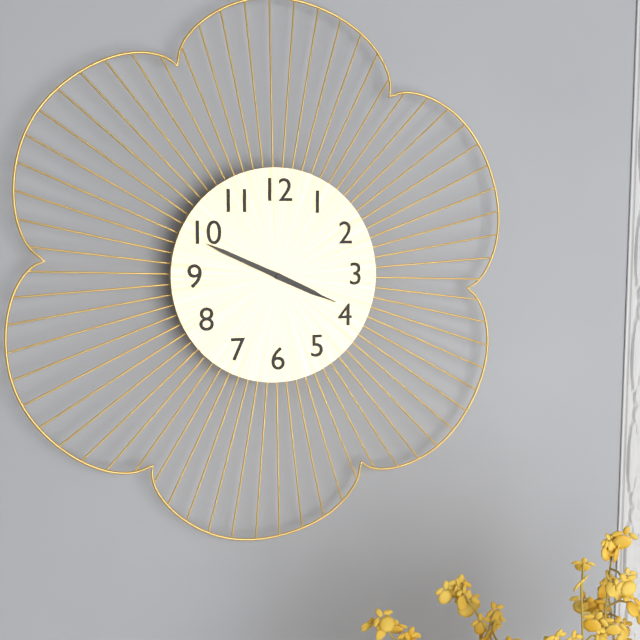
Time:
3h49m19s
